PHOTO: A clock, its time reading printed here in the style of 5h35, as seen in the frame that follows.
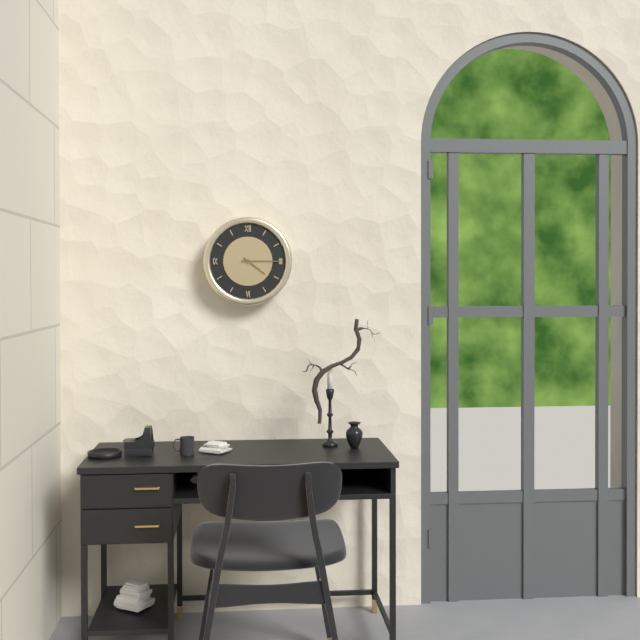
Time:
4h15
